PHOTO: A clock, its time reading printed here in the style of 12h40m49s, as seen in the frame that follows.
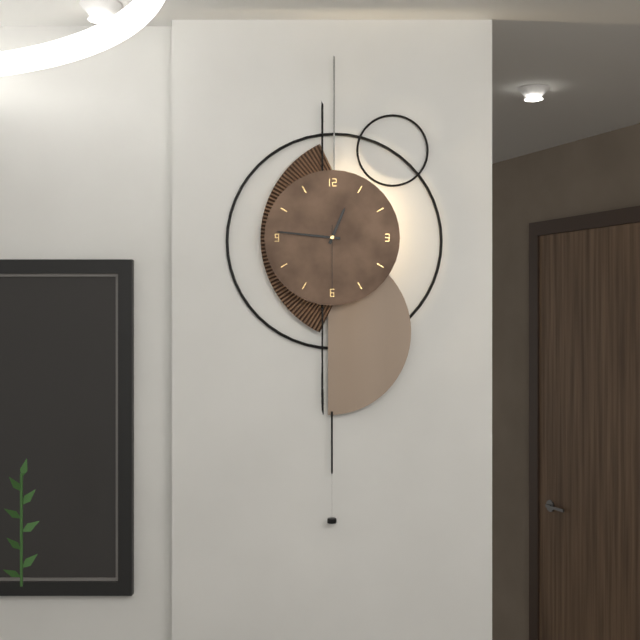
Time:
12h46m30s
